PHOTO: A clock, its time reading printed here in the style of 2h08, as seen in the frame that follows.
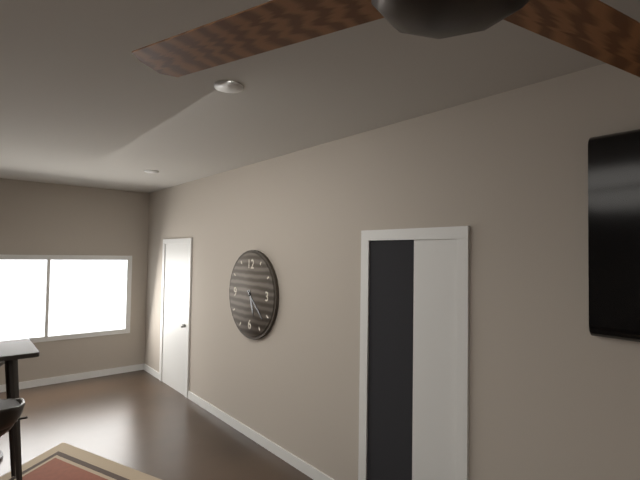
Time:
5h22
